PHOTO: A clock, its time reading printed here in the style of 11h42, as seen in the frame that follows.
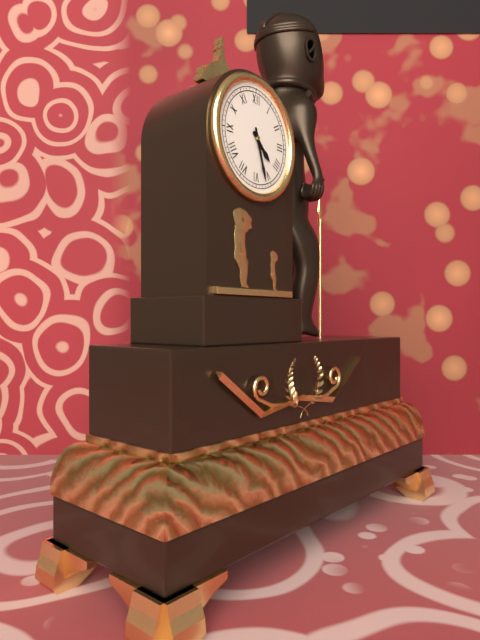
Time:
4h27
